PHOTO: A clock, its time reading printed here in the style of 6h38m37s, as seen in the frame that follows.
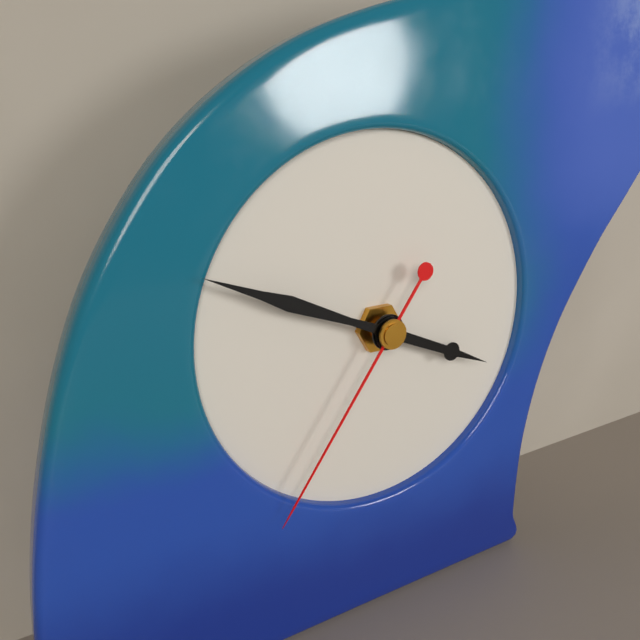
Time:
3h49m36s
